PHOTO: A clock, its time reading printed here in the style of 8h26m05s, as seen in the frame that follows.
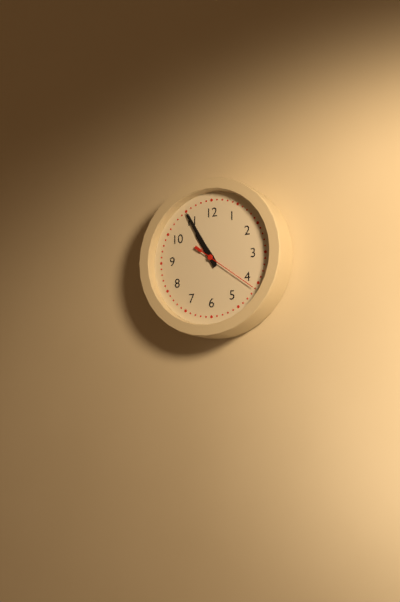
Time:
10h55m21s
